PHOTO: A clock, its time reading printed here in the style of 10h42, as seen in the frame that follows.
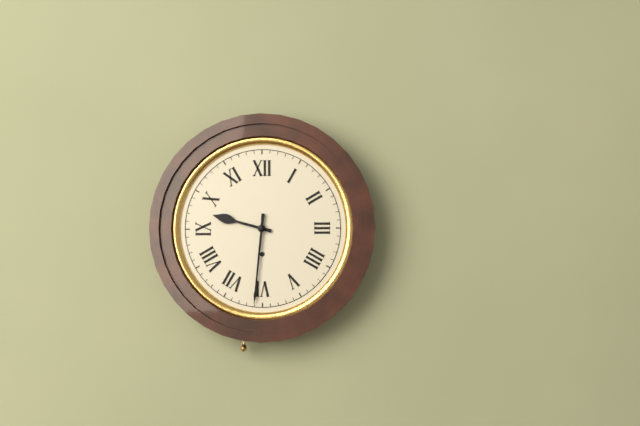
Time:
9h31
